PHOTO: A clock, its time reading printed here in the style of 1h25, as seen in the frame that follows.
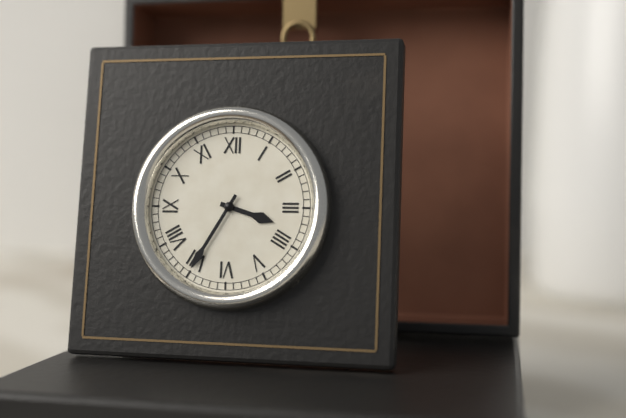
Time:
3h35
